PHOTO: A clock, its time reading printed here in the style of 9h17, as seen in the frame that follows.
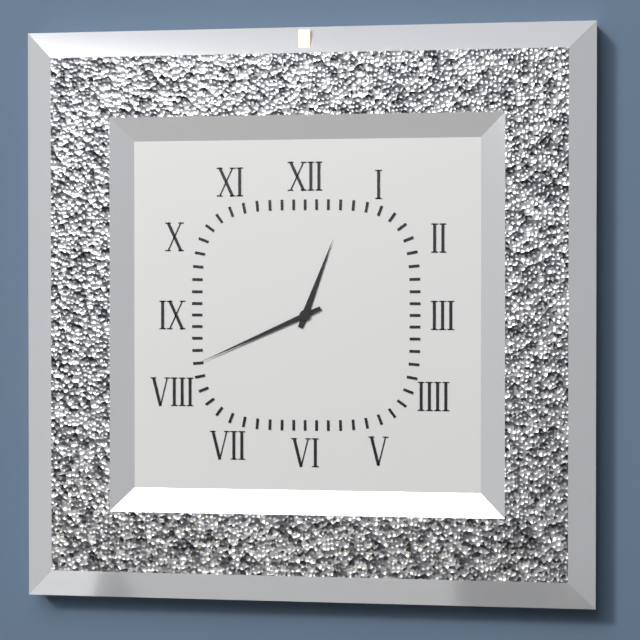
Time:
12h41
